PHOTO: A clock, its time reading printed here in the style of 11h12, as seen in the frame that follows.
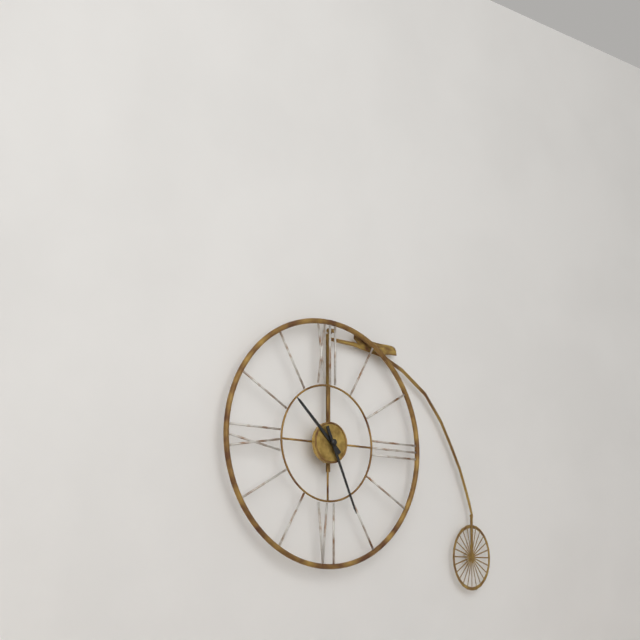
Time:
10h26
